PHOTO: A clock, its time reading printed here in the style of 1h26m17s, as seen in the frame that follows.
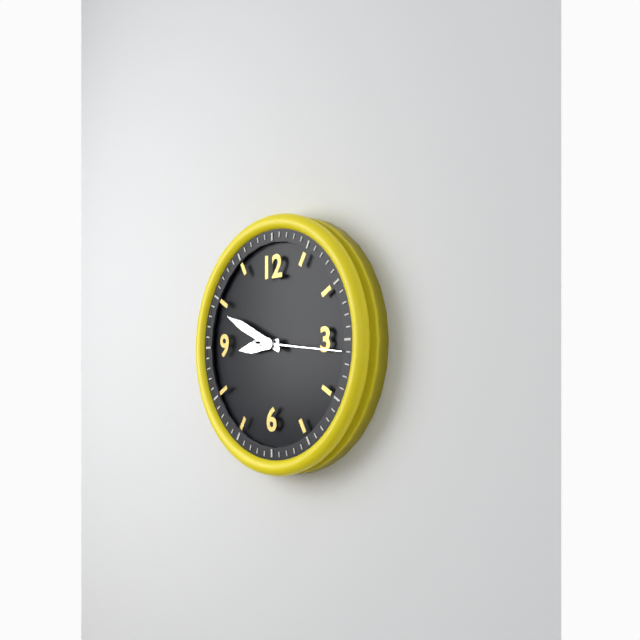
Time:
8h49m16s
